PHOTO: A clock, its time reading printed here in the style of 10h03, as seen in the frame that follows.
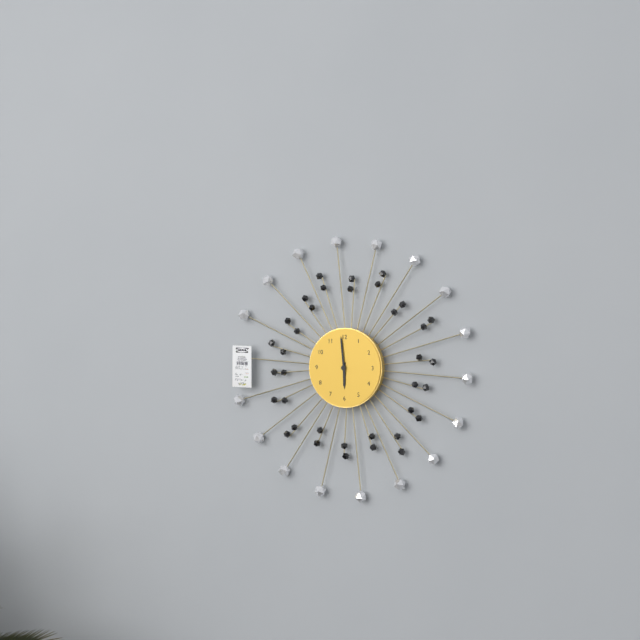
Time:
5h59
